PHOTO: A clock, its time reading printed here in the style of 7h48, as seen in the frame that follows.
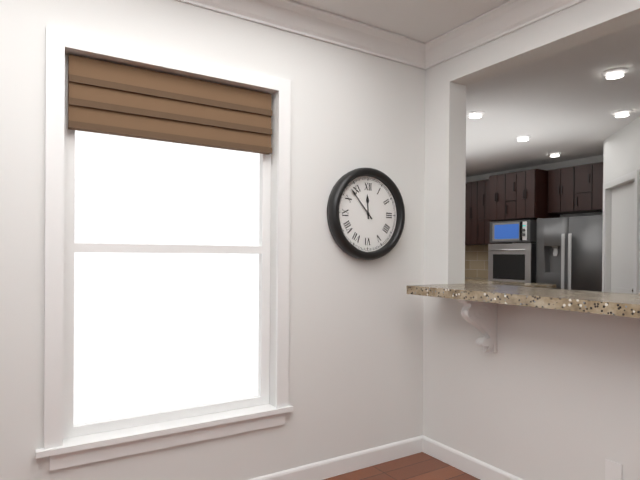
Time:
11h53
